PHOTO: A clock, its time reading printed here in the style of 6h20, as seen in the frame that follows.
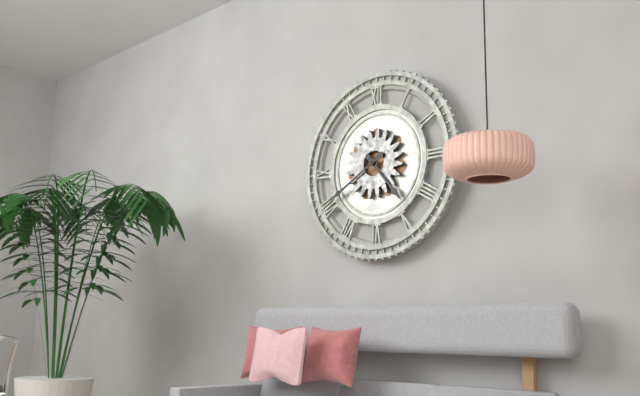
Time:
4h40
